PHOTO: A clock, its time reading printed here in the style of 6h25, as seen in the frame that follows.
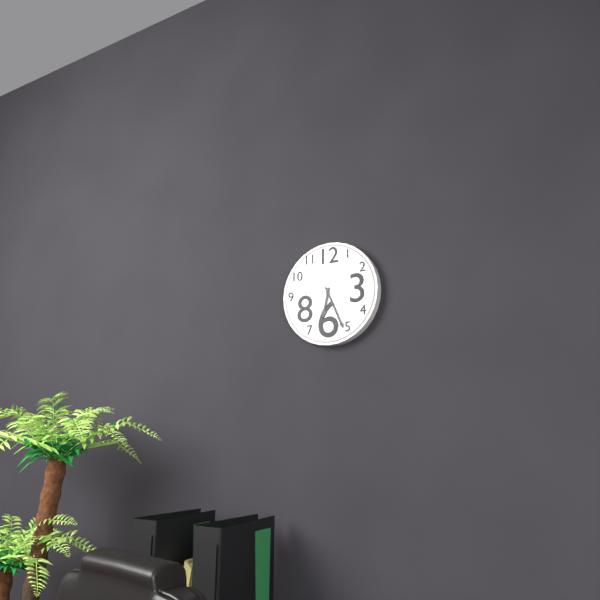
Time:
6h26
